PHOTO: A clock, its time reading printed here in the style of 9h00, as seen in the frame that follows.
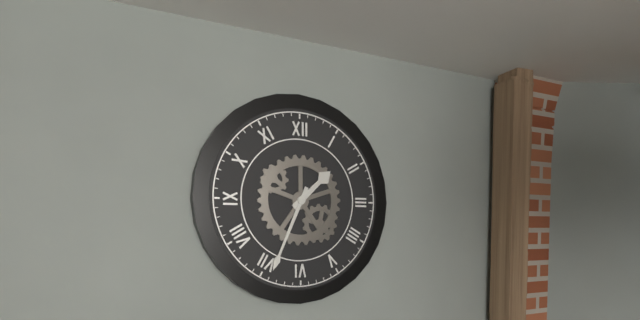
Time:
1h34
